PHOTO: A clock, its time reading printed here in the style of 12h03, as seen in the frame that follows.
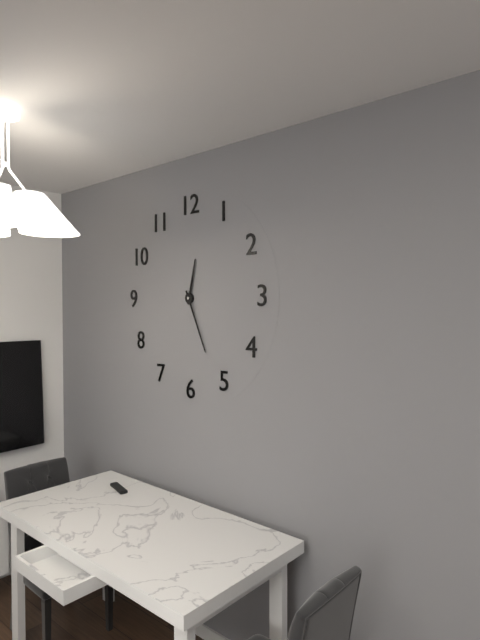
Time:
12h26
